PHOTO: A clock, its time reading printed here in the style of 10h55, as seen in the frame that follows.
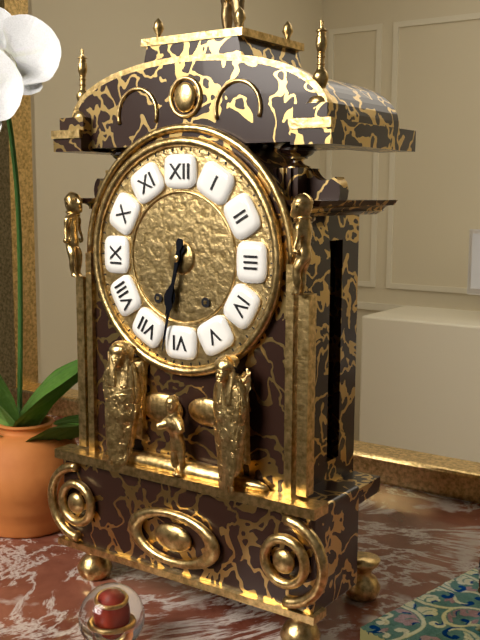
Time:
6h32
